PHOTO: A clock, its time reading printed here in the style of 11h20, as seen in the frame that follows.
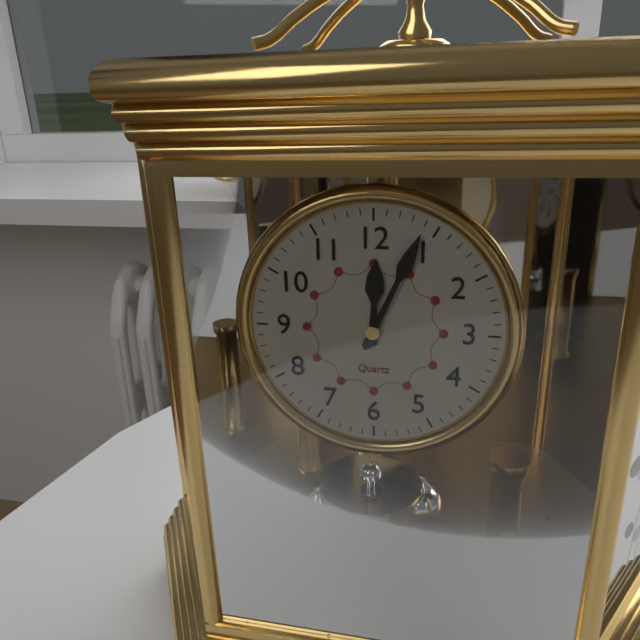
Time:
12h04
